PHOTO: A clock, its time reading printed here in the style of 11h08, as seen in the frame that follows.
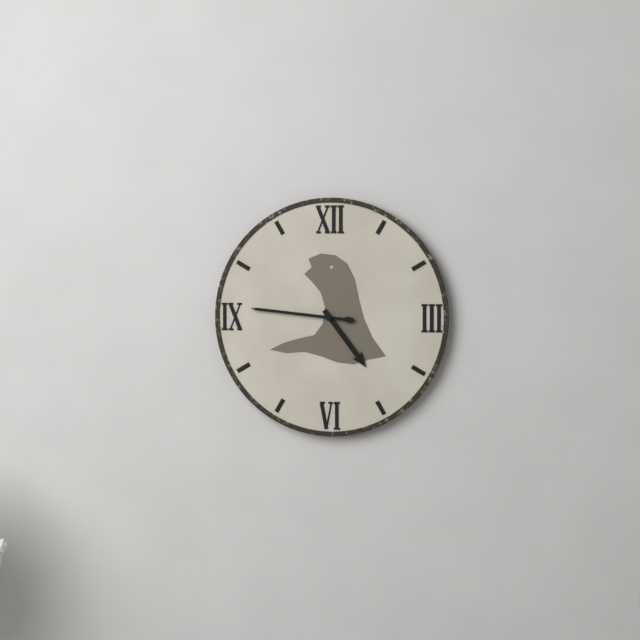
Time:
4h46
